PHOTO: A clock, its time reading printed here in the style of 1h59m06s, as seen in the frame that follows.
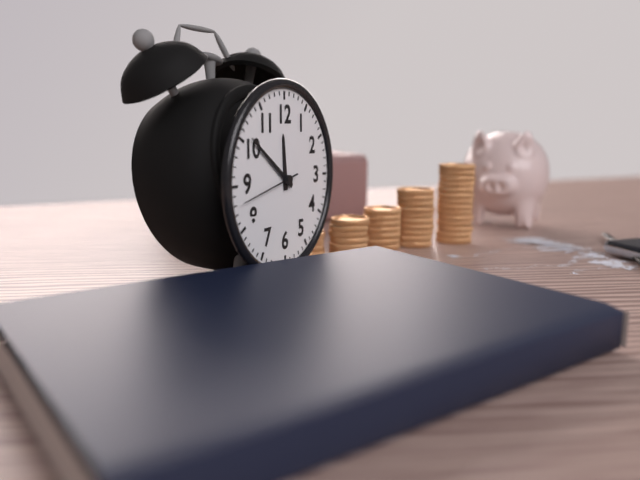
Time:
11h51m43s
